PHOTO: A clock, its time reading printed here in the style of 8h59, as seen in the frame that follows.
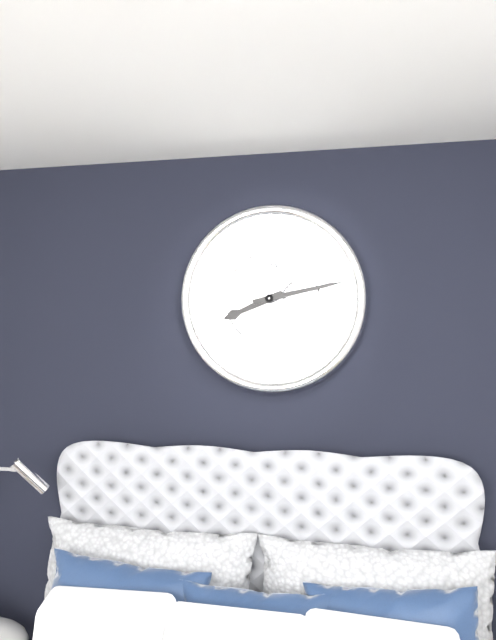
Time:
8h13
